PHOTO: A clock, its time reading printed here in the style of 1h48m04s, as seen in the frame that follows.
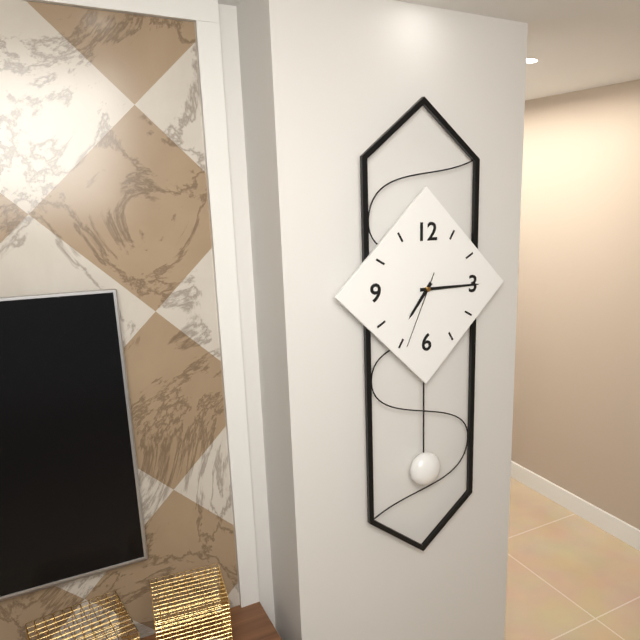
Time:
7h15m34s
